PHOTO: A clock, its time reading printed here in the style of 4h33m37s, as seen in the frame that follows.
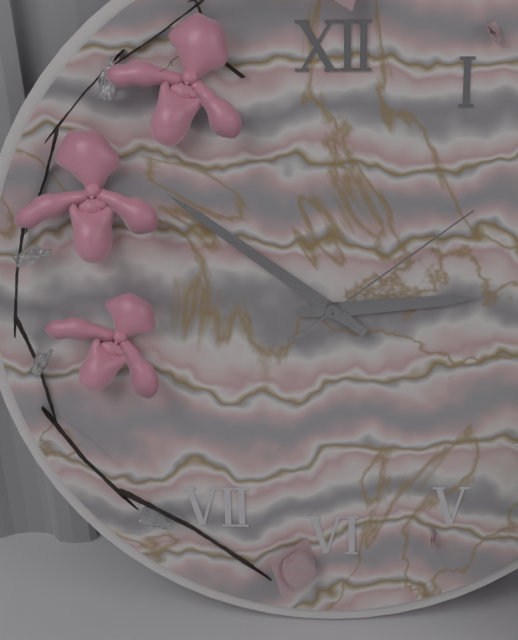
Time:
2h51m09s
